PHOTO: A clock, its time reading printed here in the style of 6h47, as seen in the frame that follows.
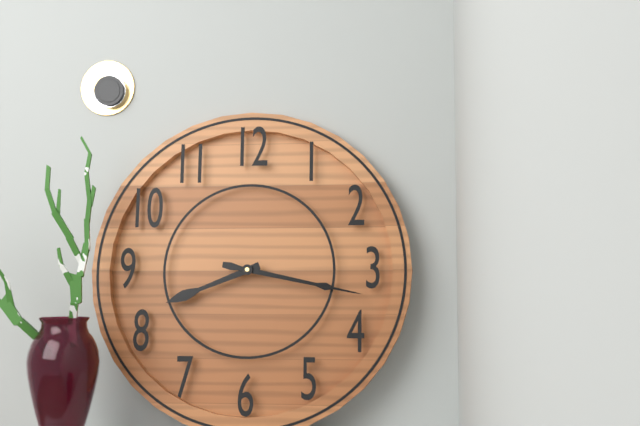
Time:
8h17
